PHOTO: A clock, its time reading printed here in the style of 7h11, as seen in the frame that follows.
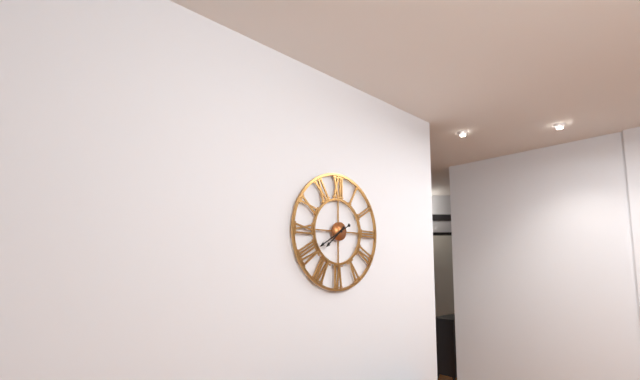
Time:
7h40
